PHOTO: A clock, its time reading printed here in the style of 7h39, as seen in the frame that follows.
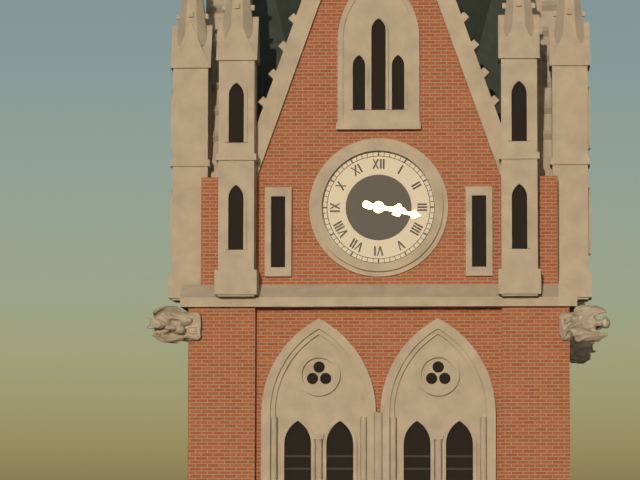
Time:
3h17
